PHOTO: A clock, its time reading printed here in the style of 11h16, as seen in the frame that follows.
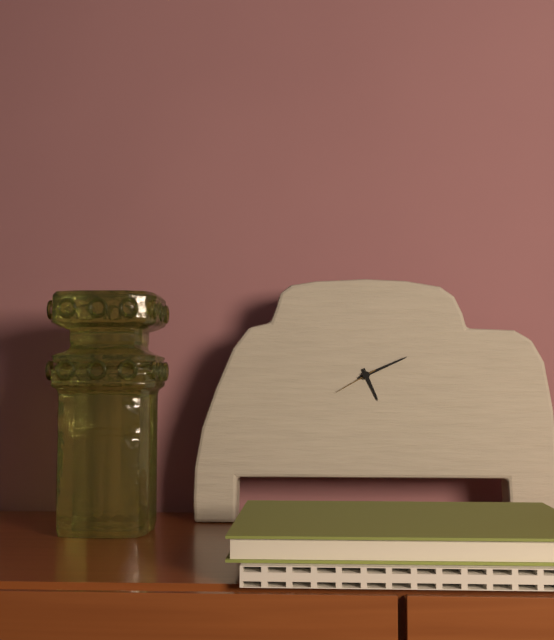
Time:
5h11
